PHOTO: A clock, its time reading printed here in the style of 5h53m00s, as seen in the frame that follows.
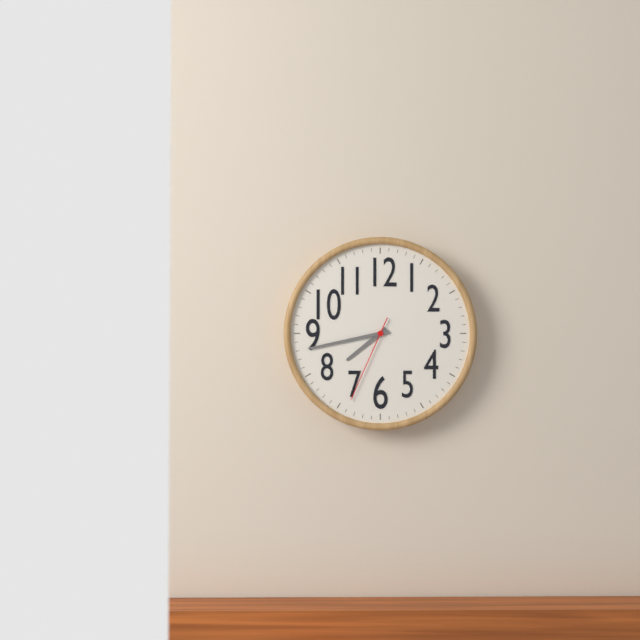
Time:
7h43m34s
